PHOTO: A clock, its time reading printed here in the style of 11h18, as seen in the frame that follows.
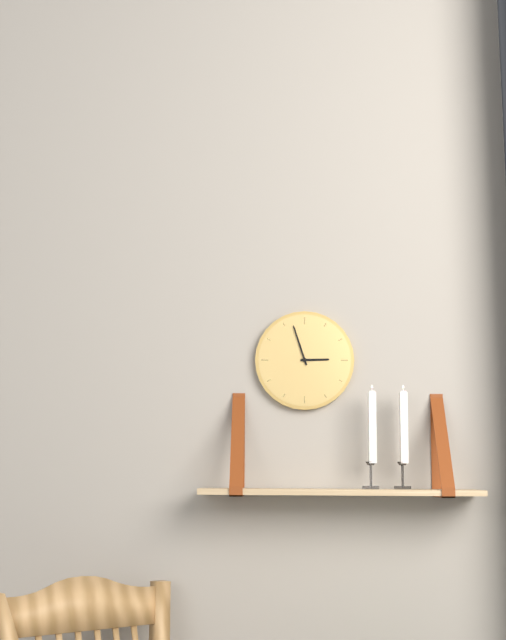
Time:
2h57
